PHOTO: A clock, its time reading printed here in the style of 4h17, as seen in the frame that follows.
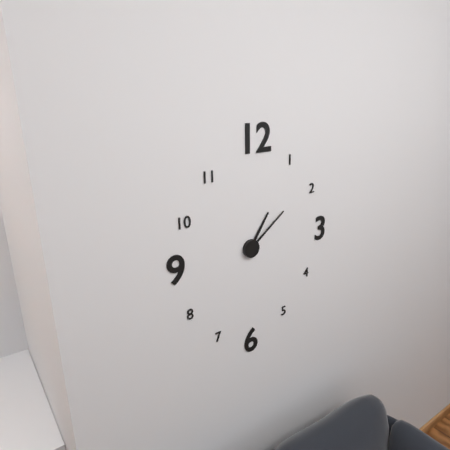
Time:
1h09
